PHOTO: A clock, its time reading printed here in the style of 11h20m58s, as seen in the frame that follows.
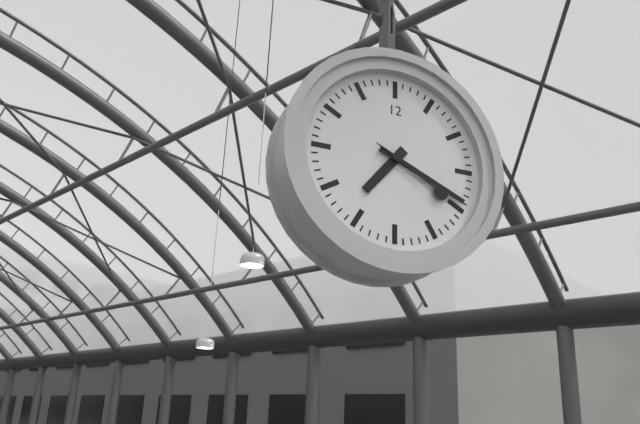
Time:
7h19m20s
